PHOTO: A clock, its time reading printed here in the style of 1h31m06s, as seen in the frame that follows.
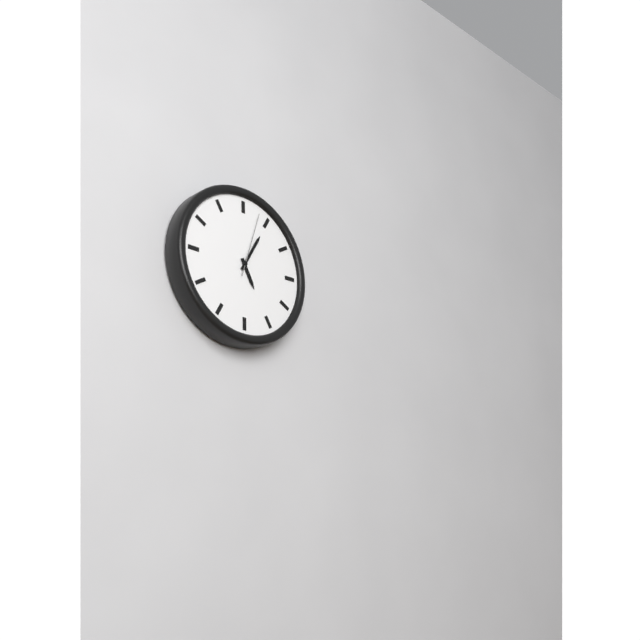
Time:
5h05m03s
